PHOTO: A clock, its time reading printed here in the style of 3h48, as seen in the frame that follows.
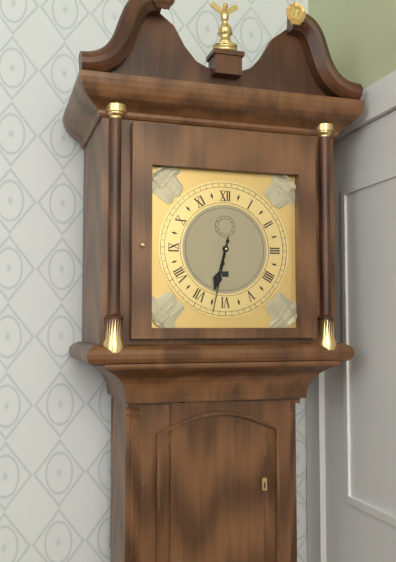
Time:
6h32
